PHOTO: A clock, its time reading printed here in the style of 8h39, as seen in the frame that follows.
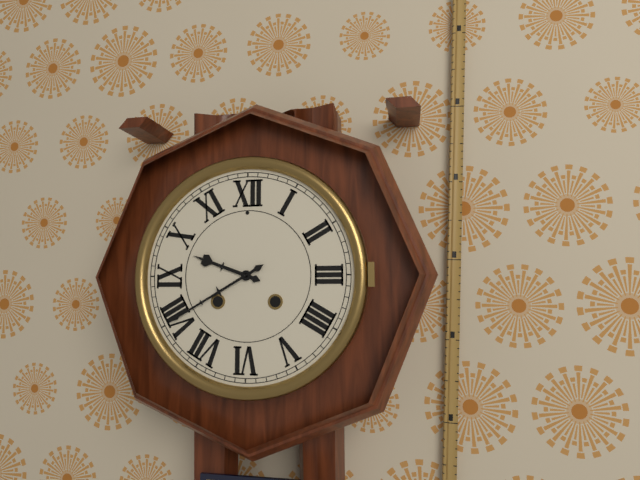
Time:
9h40
